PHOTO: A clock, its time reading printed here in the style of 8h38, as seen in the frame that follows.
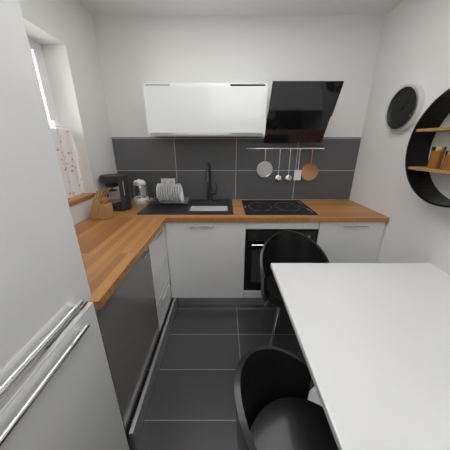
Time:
2h06
